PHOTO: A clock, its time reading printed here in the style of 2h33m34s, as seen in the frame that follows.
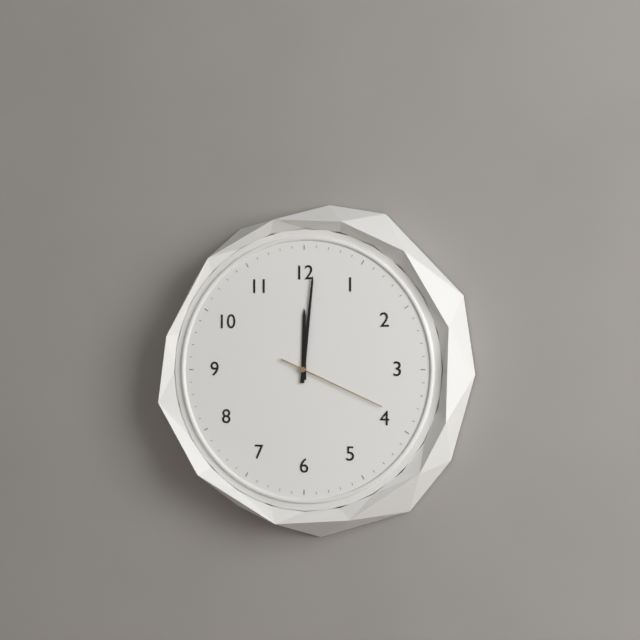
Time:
12h01m19s
